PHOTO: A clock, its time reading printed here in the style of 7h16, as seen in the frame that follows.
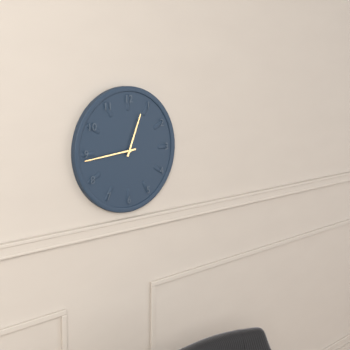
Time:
12h44
